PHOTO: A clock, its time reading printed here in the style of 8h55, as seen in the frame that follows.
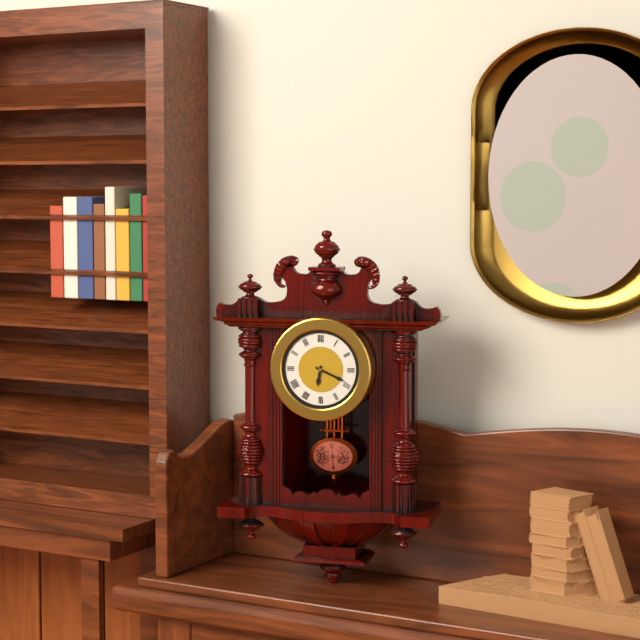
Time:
6h19
